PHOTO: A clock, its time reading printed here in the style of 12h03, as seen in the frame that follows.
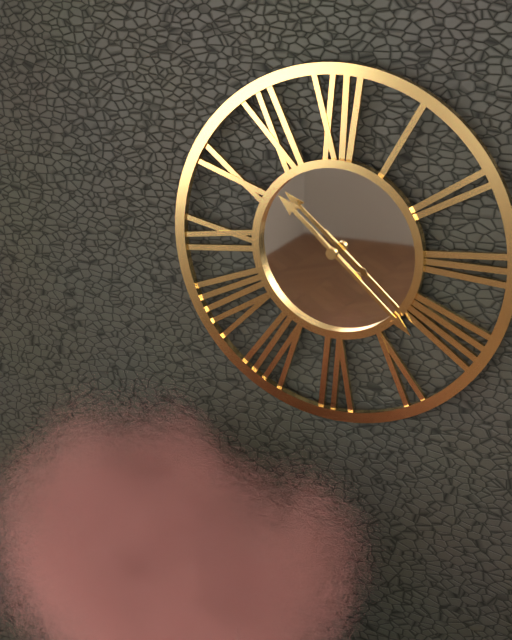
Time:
10h22
